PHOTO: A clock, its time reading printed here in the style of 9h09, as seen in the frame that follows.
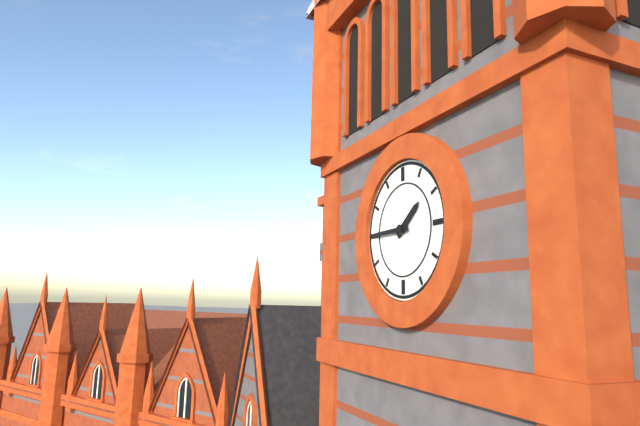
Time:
1h45
